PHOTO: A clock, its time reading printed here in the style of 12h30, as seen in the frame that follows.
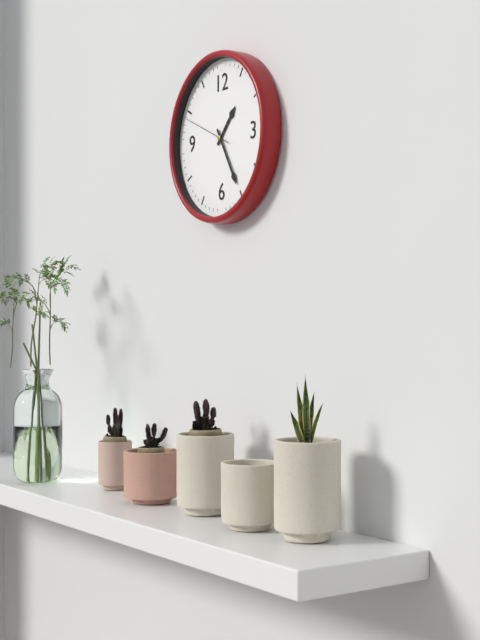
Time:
1h25
